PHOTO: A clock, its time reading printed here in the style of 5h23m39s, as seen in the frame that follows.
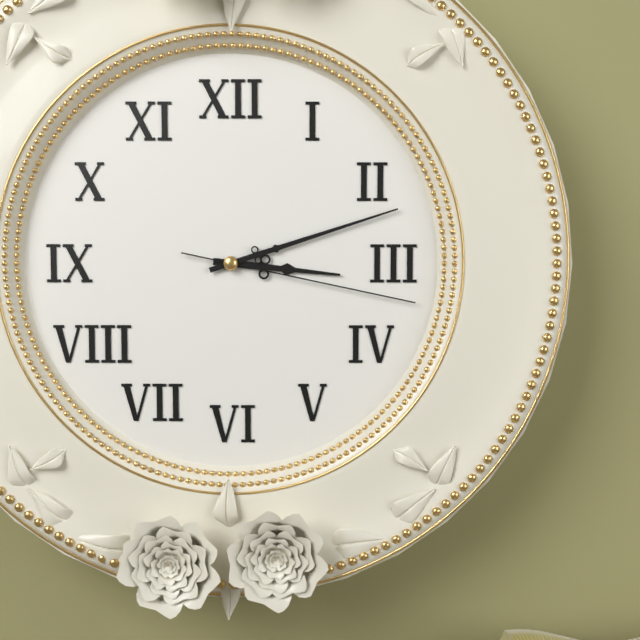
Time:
3h12m17s
